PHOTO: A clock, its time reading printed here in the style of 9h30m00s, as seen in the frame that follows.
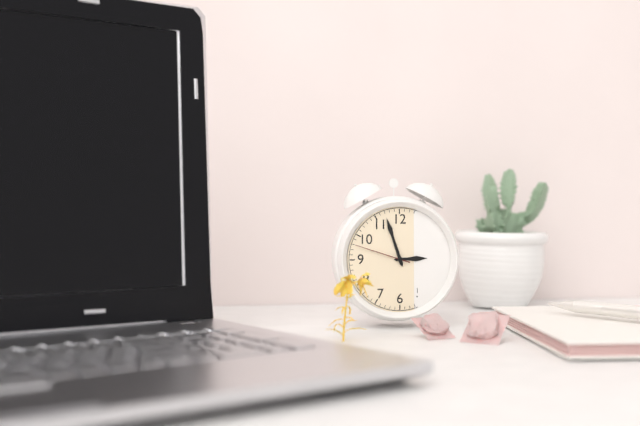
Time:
2h57m48s
